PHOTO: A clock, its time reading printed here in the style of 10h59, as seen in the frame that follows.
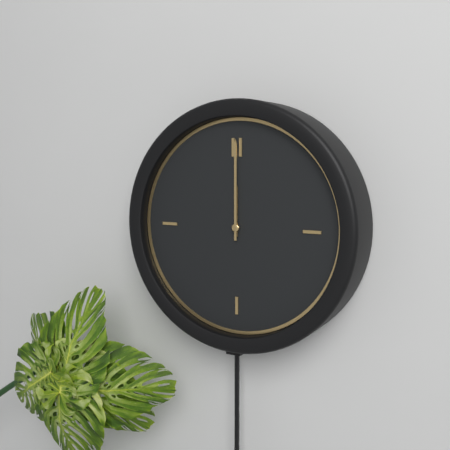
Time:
12h00
